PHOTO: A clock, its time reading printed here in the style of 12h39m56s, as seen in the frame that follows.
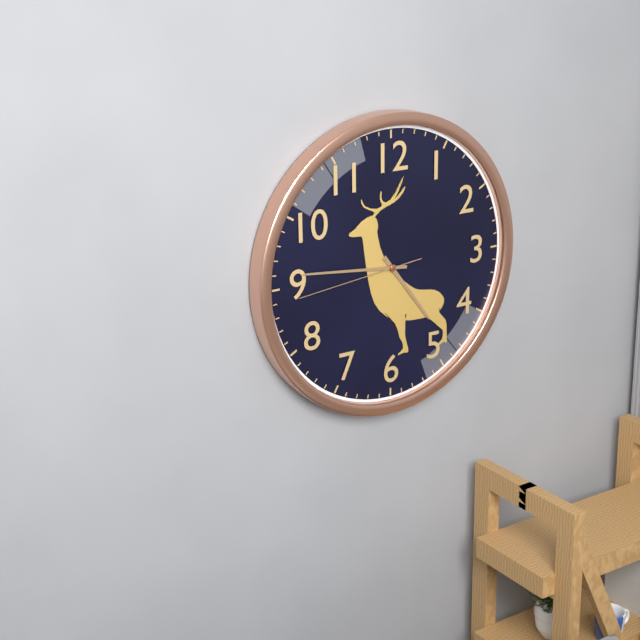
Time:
4h46m44s
